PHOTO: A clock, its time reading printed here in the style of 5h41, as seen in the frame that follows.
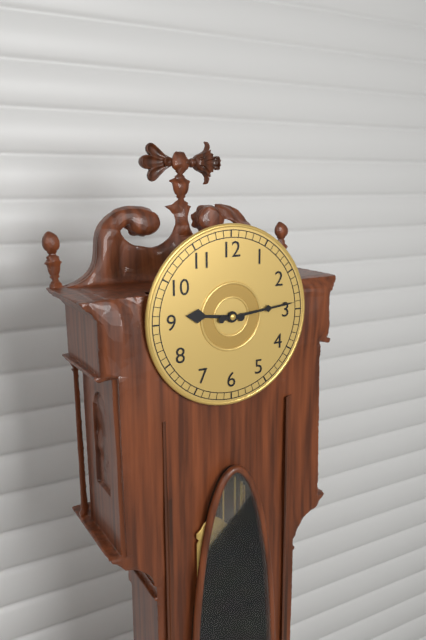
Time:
9h14
